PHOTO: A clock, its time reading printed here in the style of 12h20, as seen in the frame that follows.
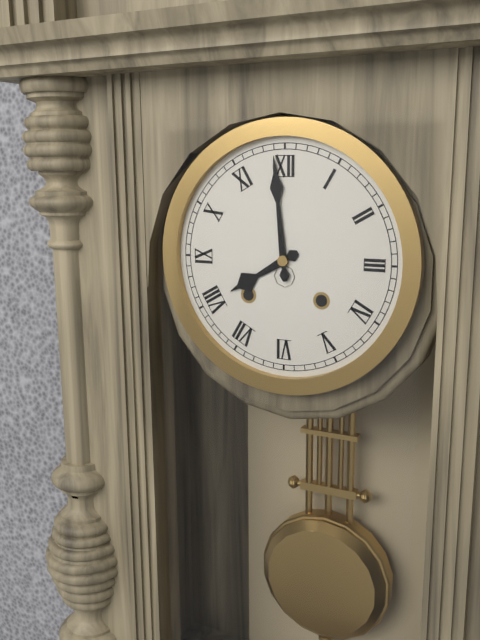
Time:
7h59
